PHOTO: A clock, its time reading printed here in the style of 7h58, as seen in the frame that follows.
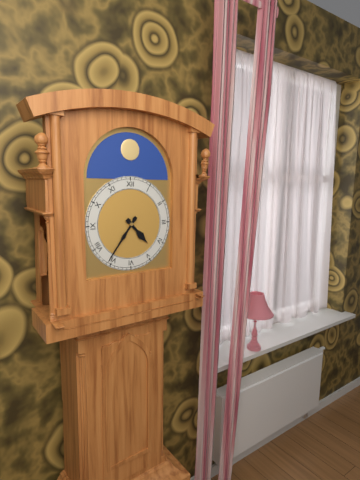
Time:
4h36
